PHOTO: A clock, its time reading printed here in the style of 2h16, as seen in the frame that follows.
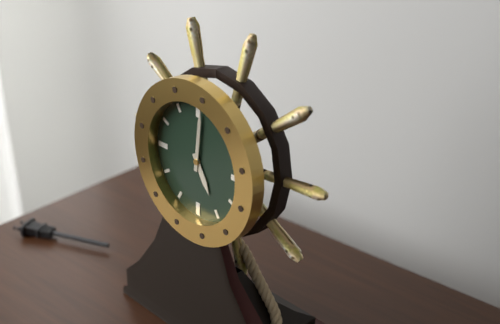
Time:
5h01
